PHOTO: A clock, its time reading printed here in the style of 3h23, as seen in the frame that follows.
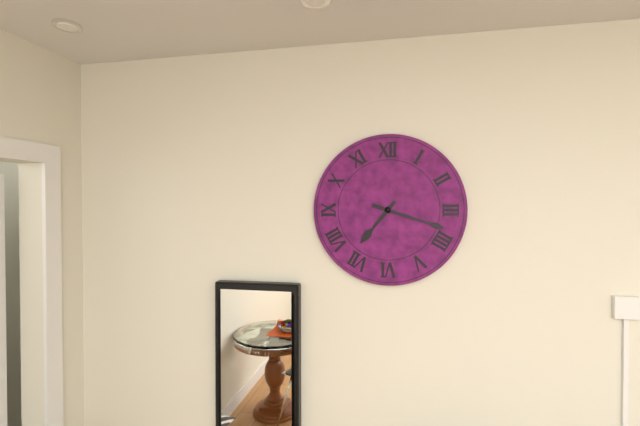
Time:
7h18
